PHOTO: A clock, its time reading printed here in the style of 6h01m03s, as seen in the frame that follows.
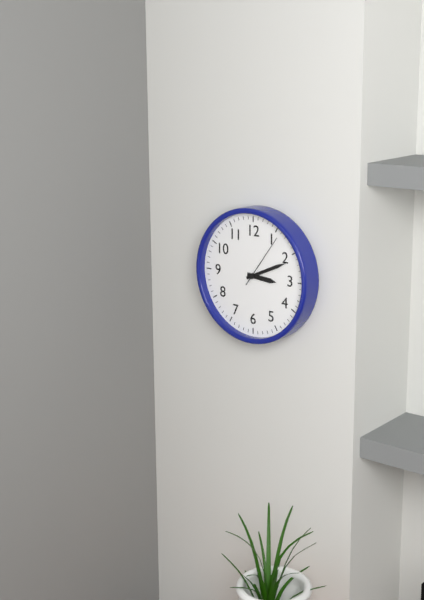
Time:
3h11m06s
